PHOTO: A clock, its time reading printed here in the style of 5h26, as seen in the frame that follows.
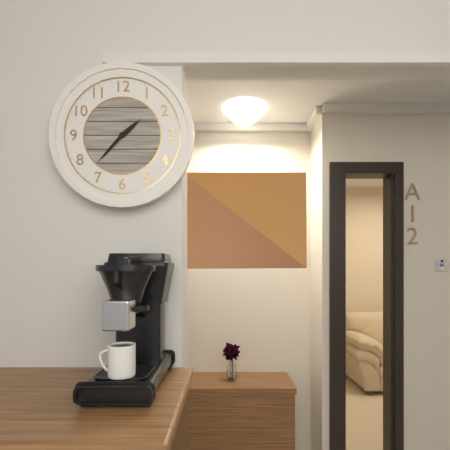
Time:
1h37
